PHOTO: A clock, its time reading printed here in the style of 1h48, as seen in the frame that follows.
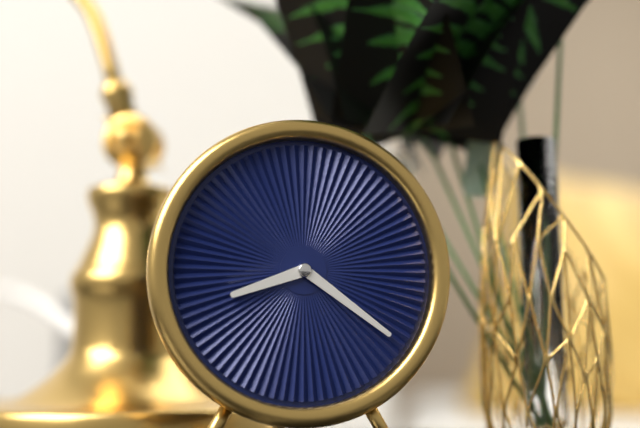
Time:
8h21
